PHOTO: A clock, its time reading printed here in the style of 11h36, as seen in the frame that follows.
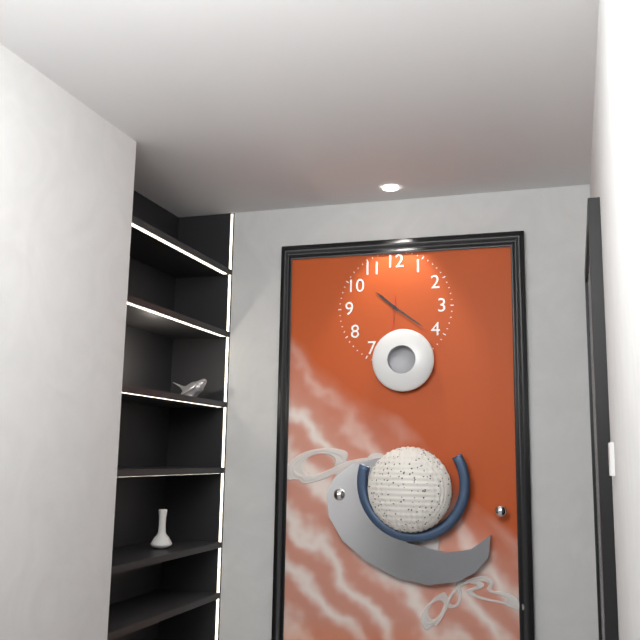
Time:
10h21
